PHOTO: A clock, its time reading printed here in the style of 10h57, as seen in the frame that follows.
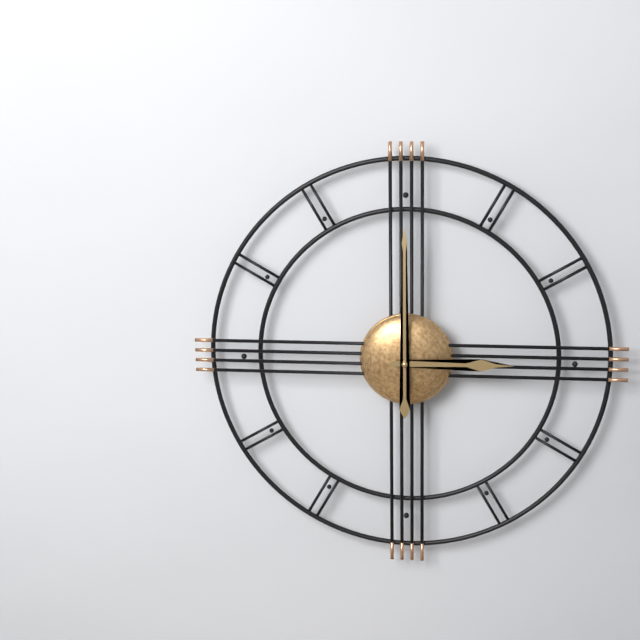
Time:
3h00
